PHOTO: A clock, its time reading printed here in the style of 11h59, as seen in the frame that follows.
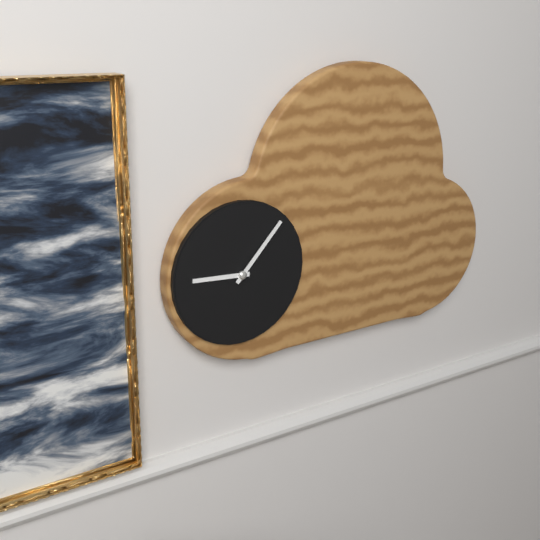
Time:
9h07
